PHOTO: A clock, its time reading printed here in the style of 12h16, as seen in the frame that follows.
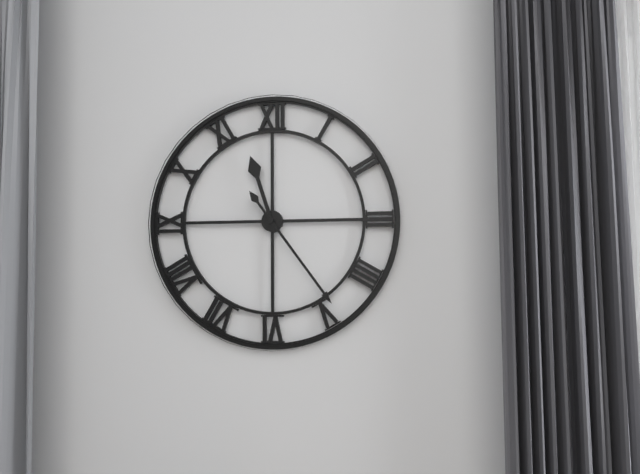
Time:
11h24
